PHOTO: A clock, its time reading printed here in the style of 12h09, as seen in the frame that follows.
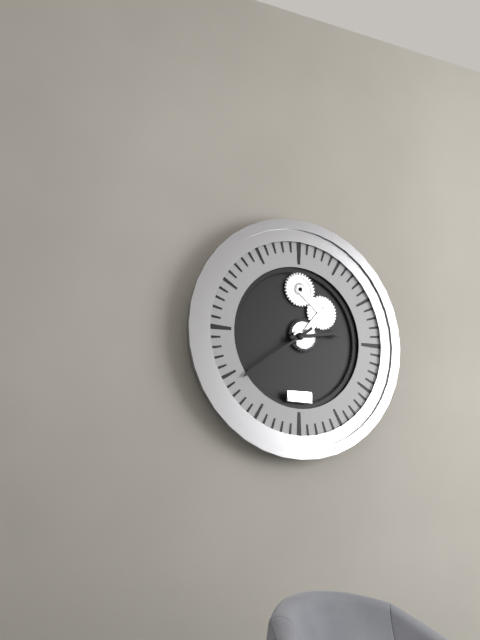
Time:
2h39
